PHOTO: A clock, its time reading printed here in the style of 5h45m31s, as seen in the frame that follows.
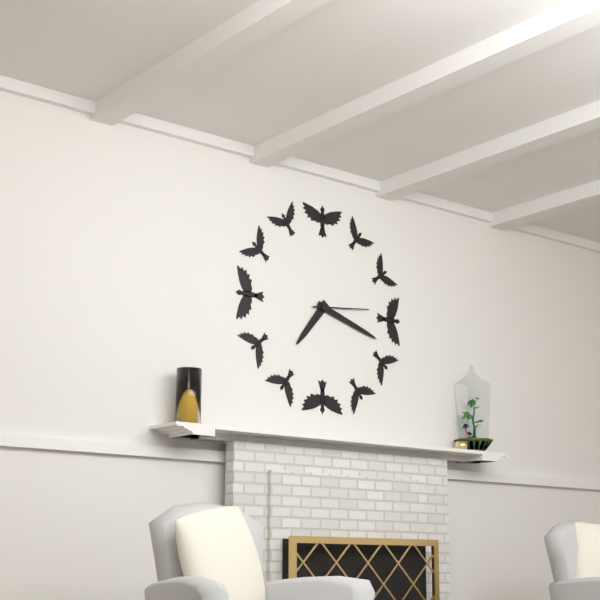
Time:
7h18m14s
